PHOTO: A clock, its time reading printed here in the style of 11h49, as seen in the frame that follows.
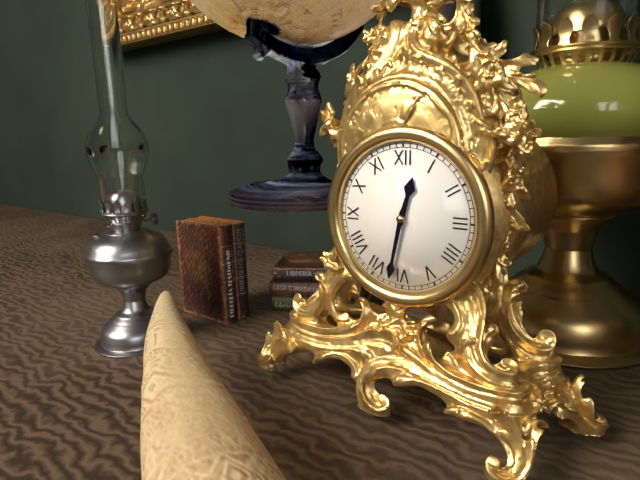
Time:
12h32
